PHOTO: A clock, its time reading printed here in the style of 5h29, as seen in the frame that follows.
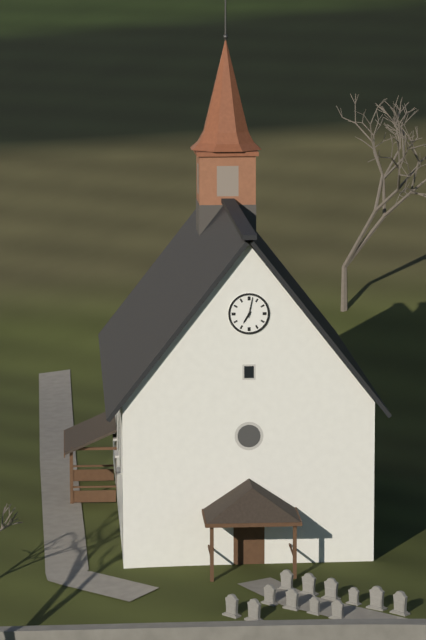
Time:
7h02
